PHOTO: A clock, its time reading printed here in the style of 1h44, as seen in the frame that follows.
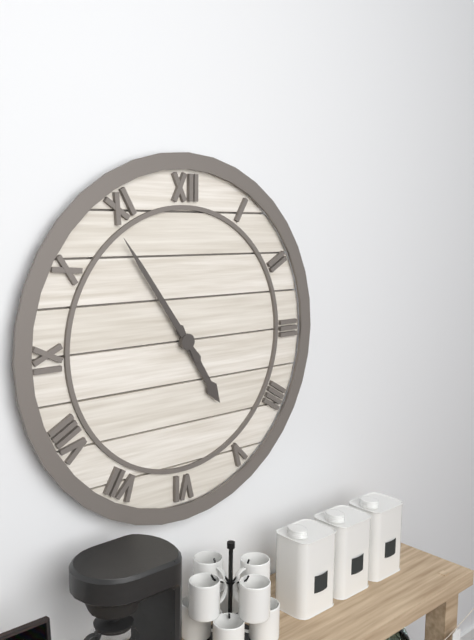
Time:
4h54
